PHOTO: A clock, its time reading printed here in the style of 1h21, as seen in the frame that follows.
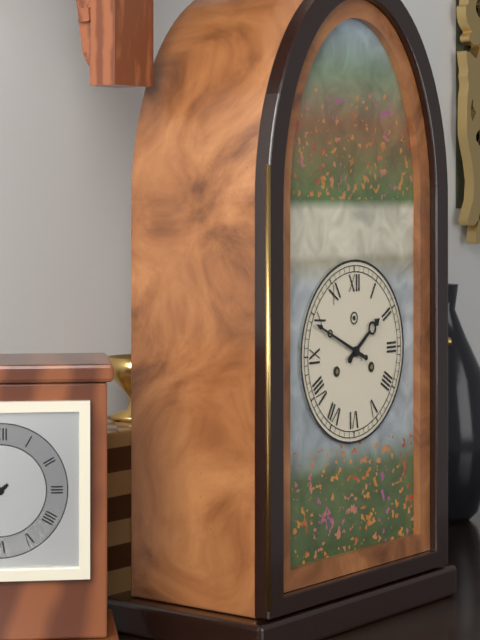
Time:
1h49
